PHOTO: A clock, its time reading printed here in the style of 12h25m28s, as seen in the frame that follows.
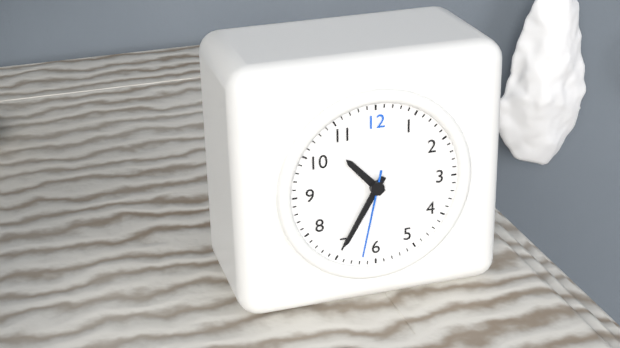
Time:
10h35m32s
